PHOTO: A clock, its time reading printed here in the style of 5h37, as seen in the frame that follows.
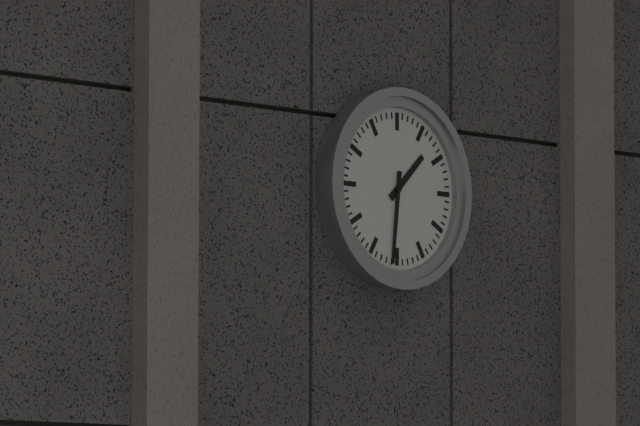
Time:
1h31
